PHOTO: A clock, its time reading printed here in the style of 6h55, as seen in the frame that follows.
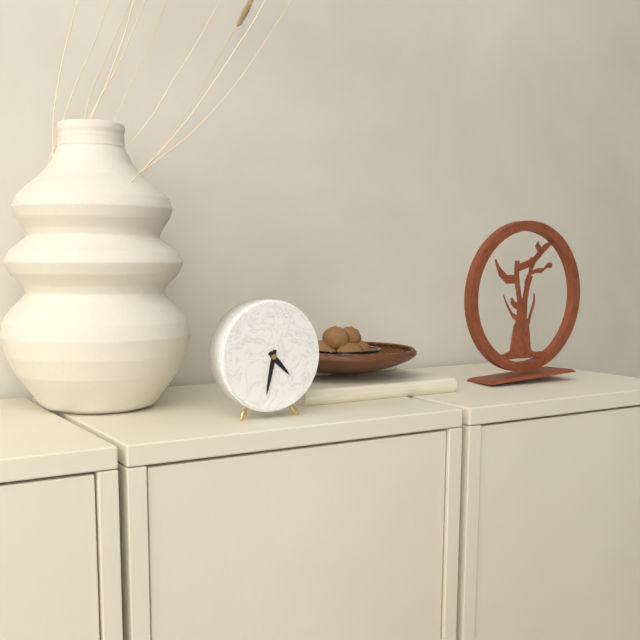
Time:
4h32
